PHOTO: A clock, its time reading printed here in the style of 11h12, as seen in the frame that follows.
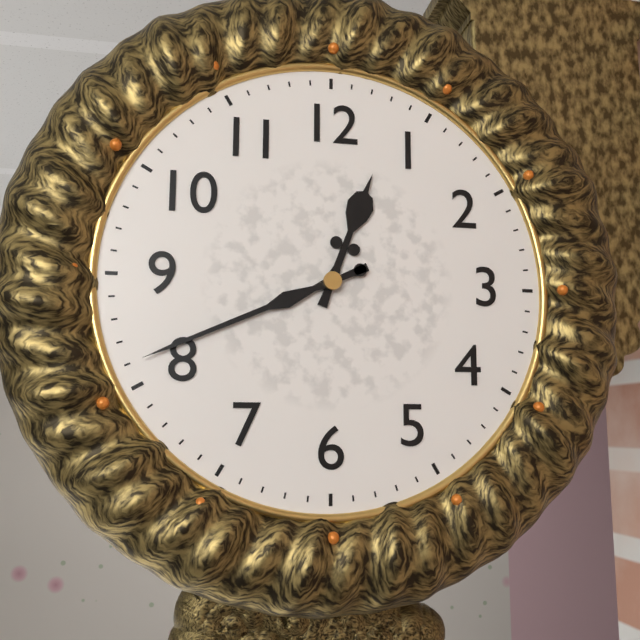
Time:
12h41
